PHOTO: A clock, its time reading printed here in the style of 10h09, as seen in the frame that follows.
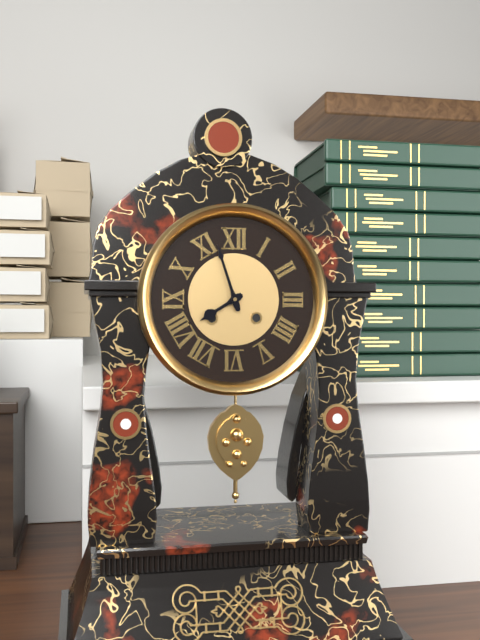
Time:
7h57
